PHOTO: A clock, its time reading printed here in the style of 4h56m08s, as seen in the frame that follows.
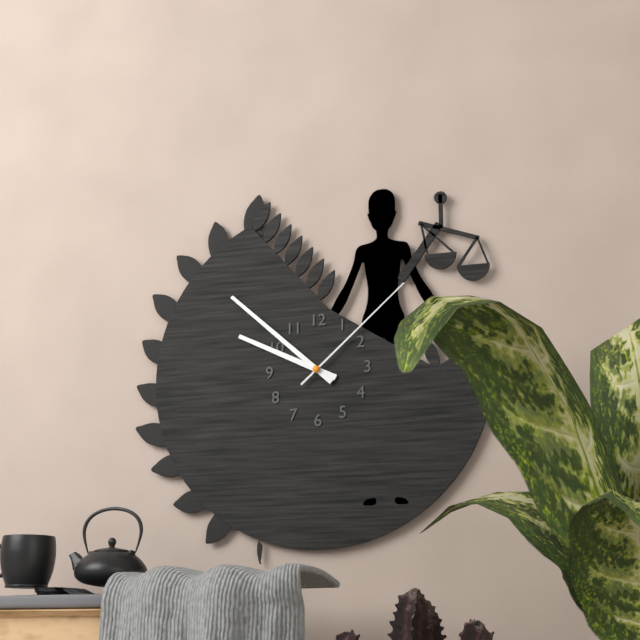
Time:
9h52m08s
